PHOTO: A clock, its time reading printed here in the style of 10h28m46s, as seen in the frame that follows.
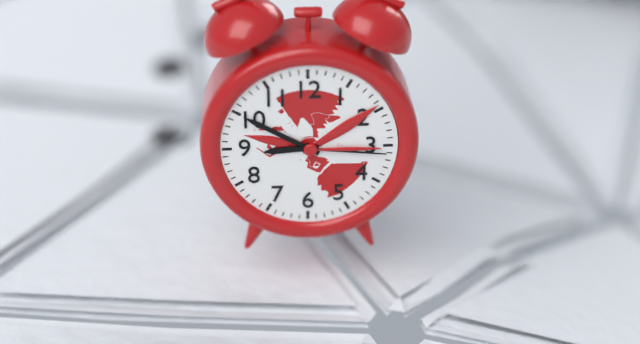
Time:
8h50m16s
